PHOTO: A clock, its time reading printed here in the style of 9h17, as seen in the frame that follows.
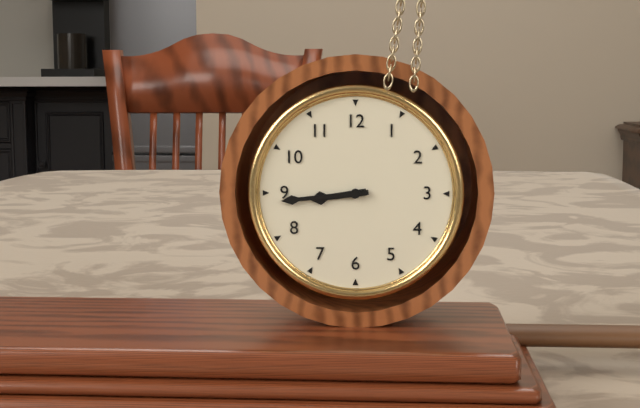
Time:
8h44
